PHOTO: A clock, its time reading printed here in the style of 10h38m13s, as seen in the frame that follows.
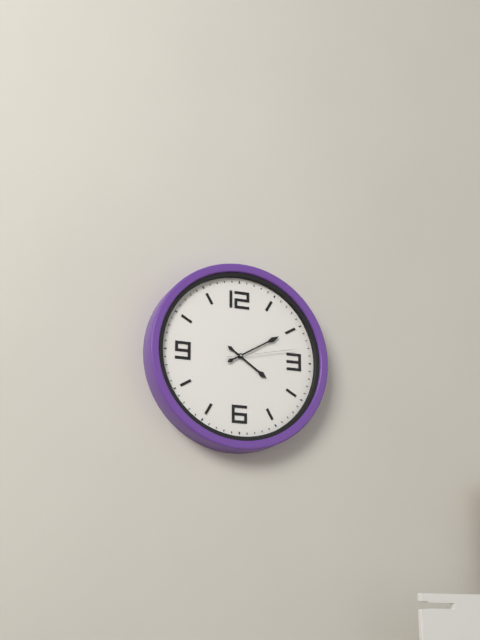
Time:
4h10m13s
